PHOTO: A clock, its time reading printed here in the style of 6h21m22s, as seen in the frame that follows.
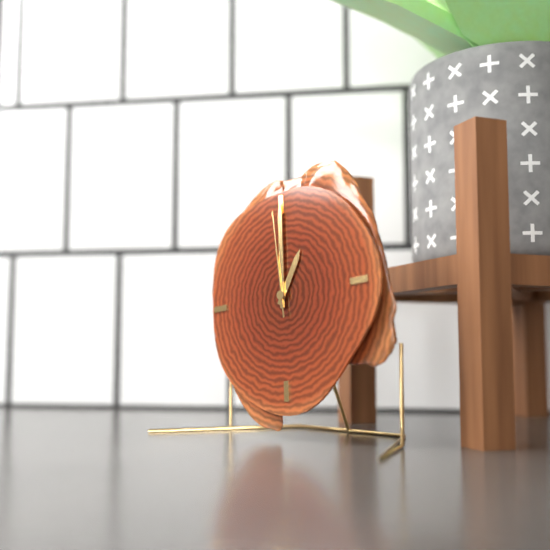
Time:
1h00m59s
